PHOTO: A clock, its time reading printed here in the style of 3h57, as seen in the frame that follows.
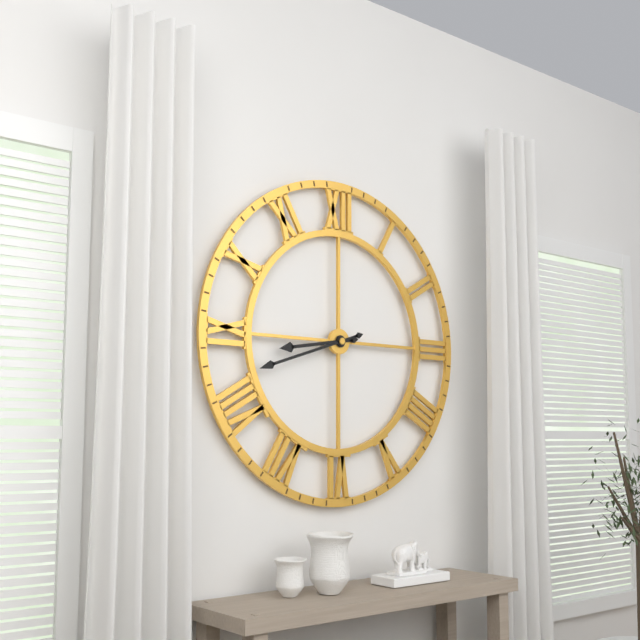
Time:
8h42
